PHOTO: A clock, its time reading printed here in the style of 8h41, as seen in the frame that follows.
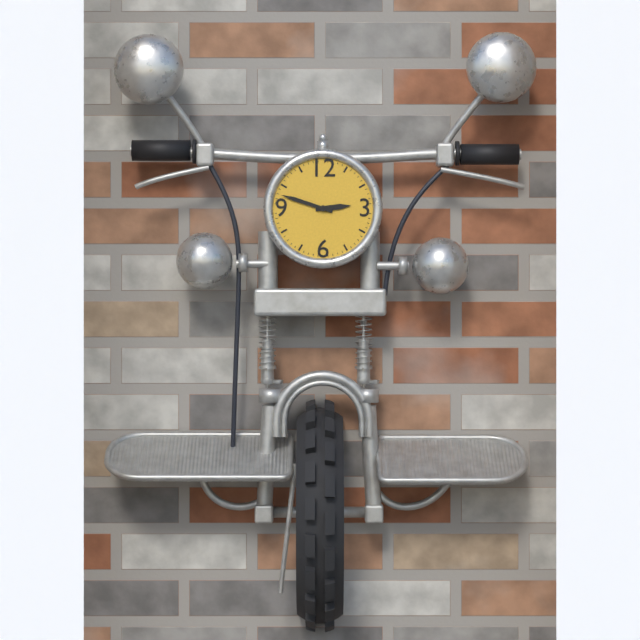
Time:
2h48
